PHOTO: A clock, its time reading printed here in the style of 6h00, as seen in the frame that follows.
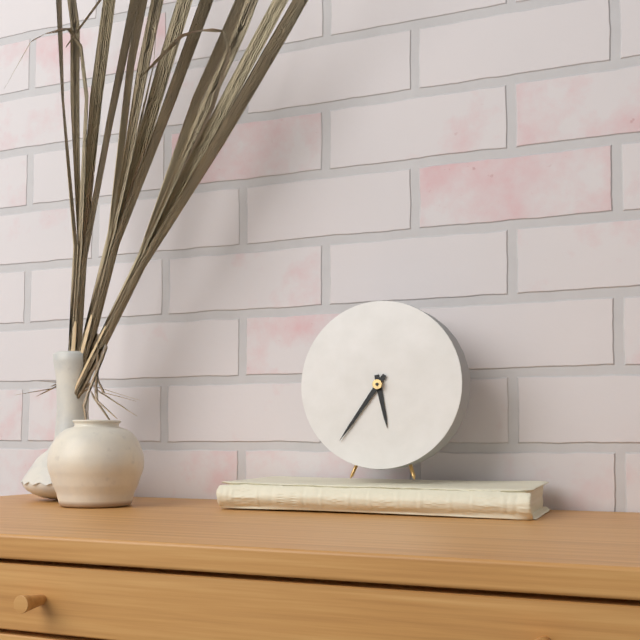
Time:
5h36
